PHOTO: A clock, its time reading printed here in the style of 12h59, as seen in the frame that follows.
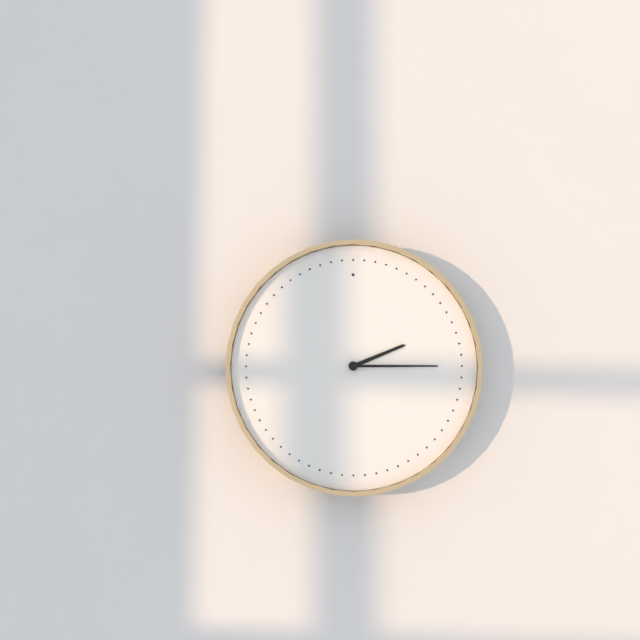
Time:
2h15
